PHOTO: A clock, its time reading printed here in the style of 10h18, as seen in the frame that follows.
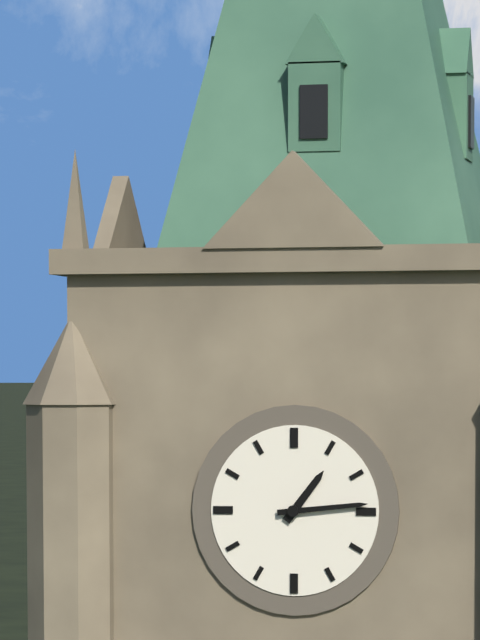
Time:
1h14
